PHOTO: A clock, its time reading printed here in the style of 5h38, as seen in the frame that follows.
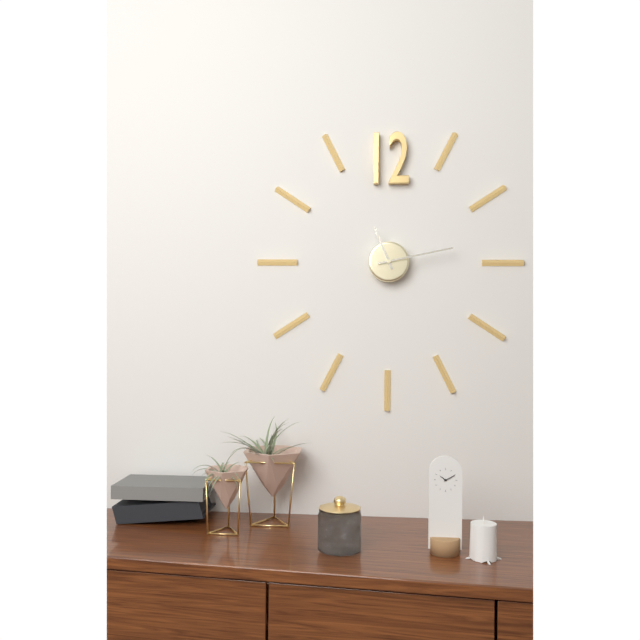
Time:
11h13
